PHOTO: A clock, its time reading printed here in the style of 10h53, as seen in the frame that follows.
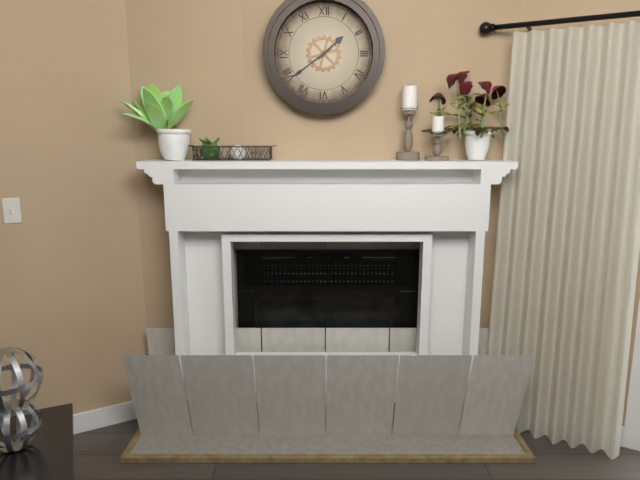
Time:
1h39
